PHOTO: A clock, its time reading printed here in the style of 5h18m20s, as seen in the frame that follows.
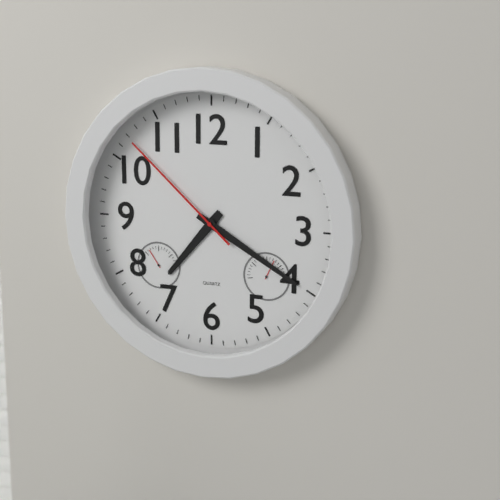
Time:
7h20m52s
